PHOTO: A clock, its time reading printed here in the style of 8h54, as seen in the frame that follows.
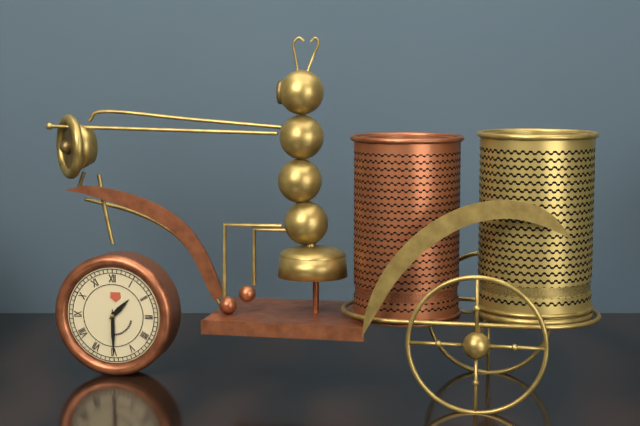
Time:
1h30
